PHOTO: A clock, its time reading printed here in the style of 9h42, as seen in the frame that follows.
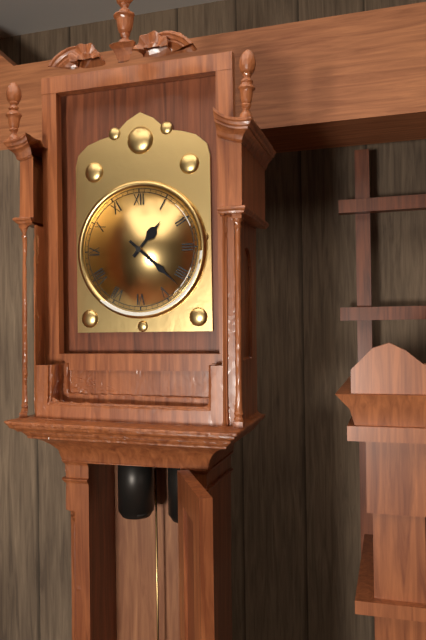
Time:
1h22
